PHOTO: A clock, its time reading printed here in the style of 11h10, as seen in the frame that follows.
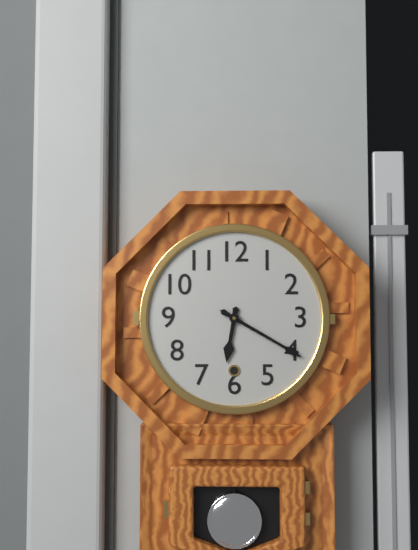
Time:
6h20
